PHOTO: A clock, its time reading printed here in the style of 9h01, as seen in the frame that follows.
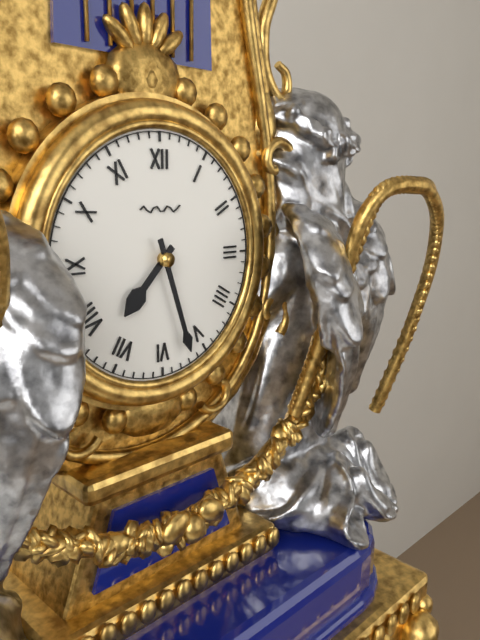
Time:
7h27
